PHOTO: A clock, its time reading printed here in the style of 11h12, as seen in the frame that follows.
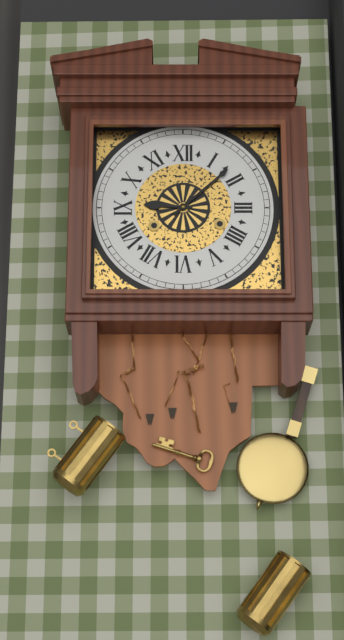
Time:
9h08
